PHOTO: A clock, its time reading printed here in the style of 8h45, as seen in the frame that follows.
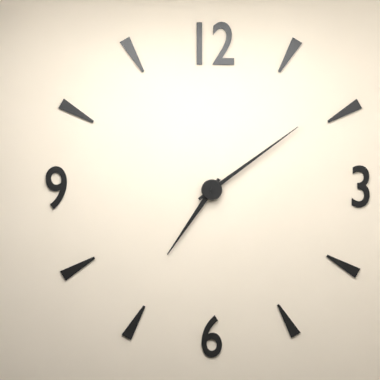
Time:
7h09
